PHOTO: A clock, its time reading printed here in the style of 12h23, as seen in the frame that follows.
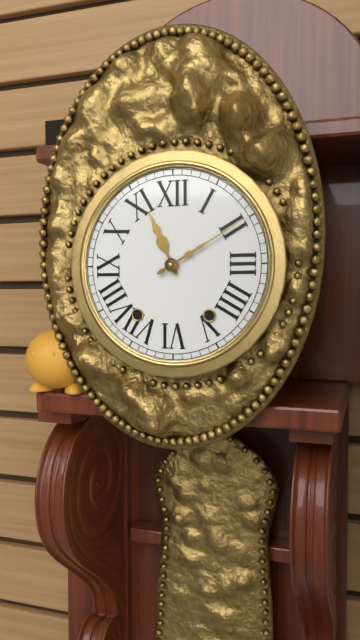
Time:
11h10
